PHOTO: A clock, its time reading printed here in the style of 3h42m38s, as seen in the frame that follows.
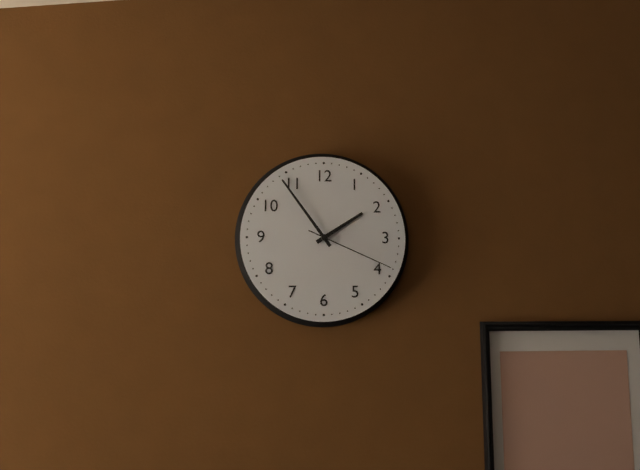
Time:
1h54m19s
